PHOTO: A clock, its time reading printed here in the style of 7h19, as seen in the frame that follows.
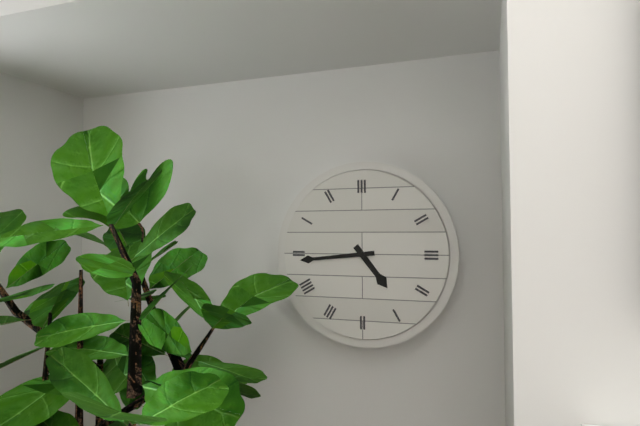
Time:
4h44
